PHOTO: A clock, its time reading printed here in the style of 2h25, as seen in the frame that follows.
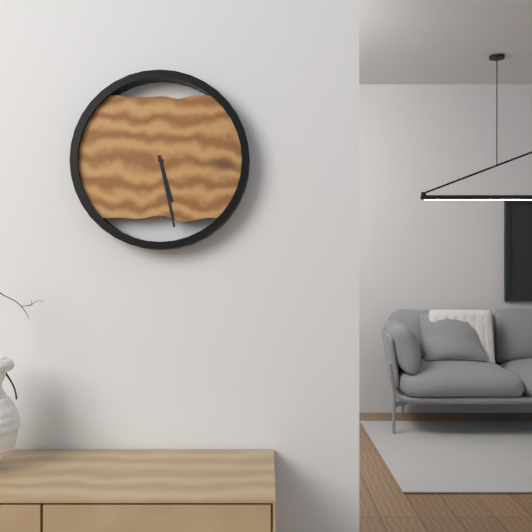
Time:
5h28
